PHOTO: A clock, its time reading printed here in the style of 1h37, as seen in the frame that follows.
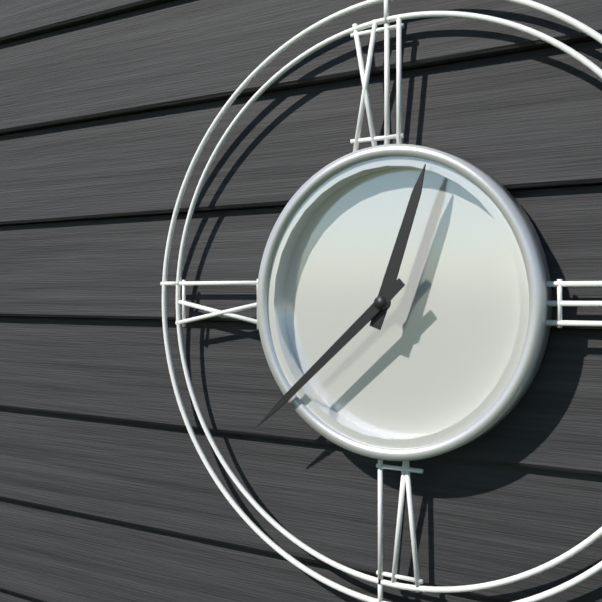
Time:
12h38
